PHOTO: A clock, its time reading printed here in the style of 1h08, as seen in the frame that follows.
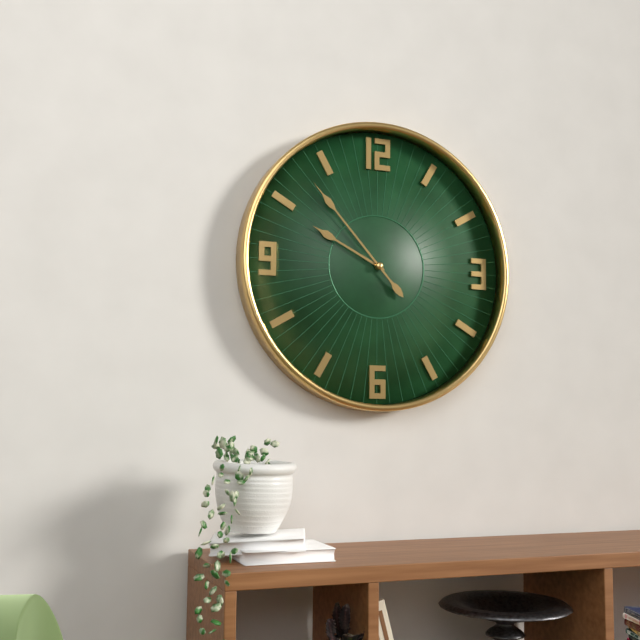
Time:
9h53
